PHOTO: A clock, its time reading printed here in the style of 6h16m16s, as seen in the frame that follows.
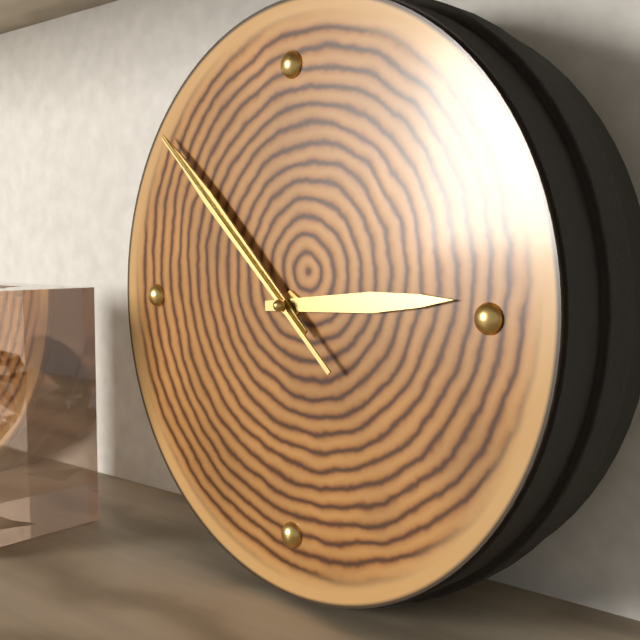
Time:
2h52m52s
